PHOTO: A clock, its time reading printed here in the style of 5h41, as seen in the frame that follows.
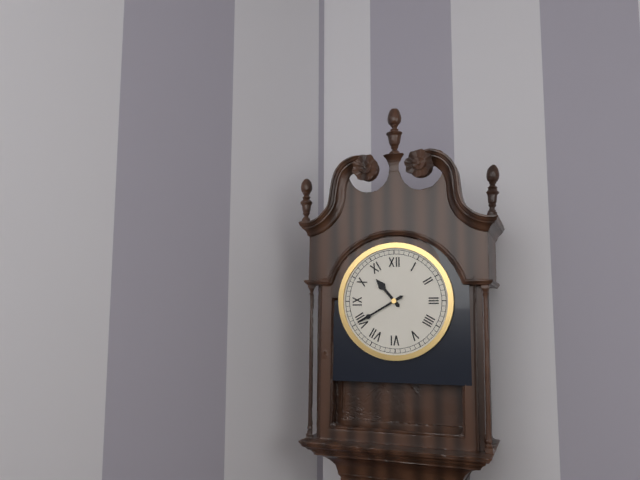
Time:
10h40
